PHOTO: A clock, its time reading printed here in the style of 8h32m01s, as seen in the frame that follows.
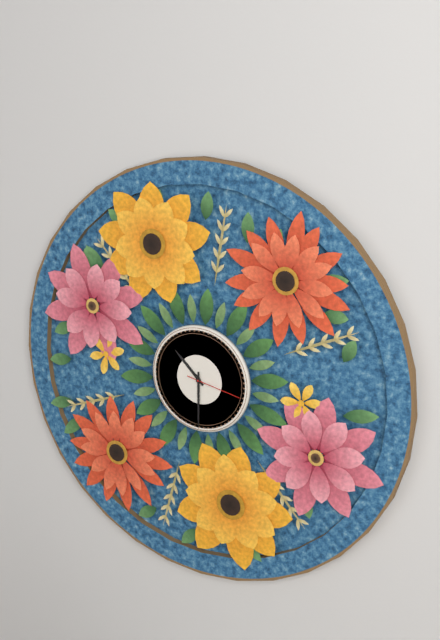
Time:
10h30m17s
